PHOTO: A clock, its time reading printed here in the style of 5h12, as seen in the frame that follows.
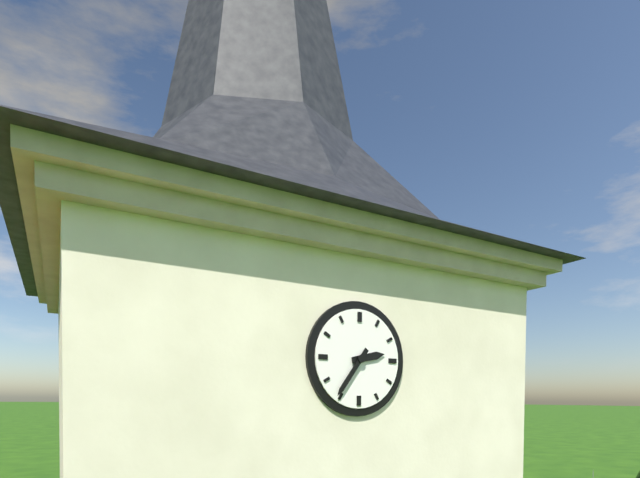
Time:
2h36
